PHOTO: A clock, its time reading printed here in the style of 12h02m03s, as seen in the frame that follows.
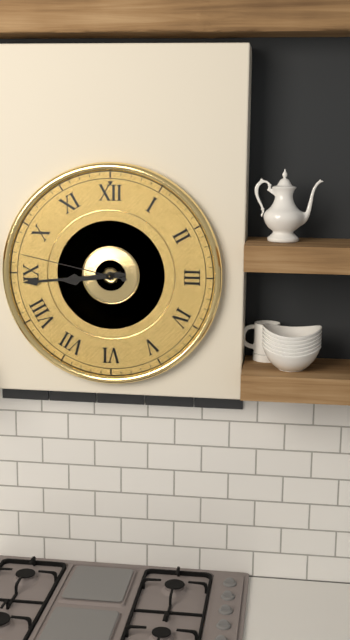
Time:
8h44m47s
